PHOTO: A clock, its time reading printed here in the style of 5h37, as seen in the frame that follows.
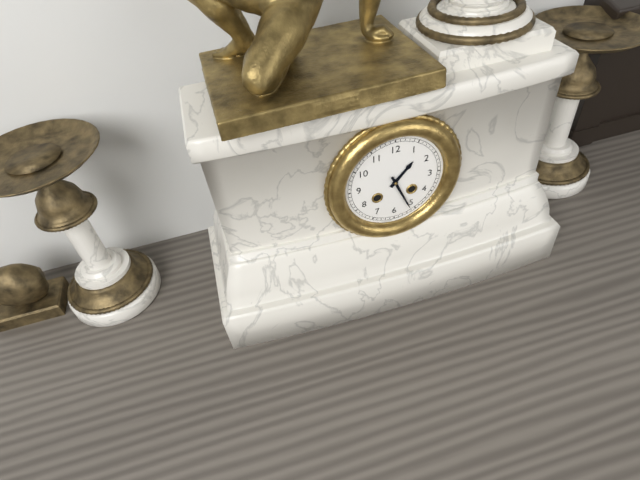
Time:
1h26
